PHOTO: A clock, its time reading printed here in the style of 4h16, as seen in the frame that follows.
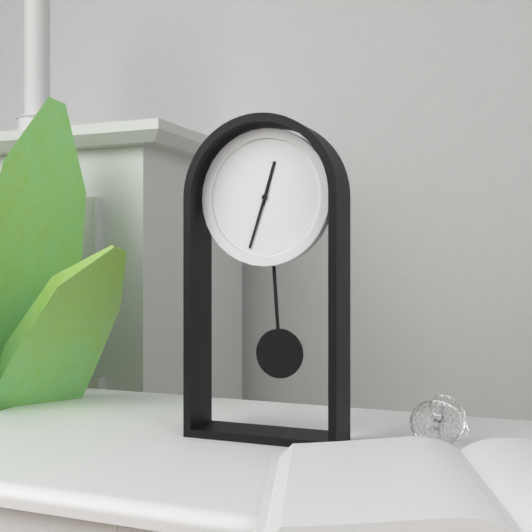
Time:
12h33
